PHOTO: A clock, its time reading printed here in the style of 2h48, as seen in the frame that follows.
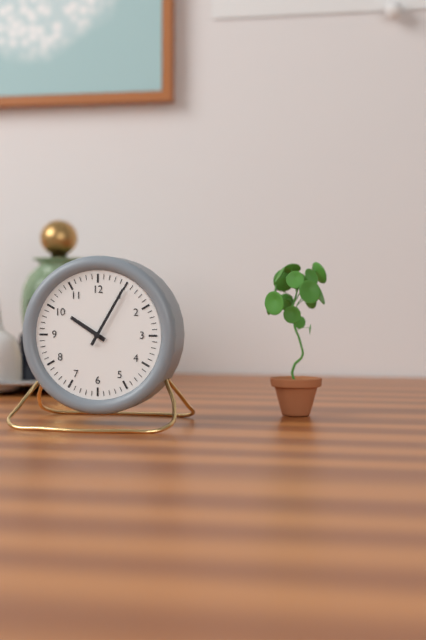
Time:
10h05
